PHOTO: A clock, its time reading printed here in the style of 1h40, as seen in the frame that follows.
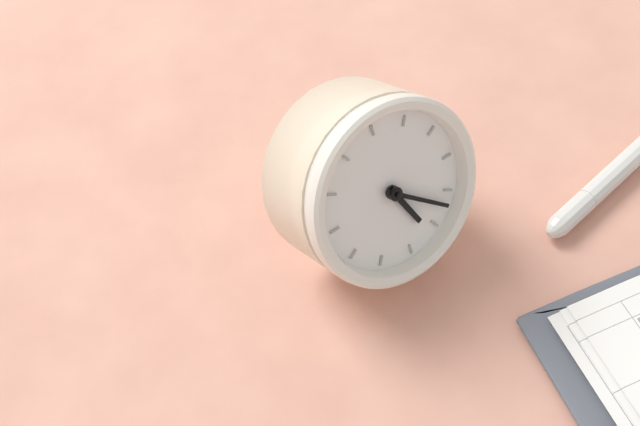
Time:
4h17
